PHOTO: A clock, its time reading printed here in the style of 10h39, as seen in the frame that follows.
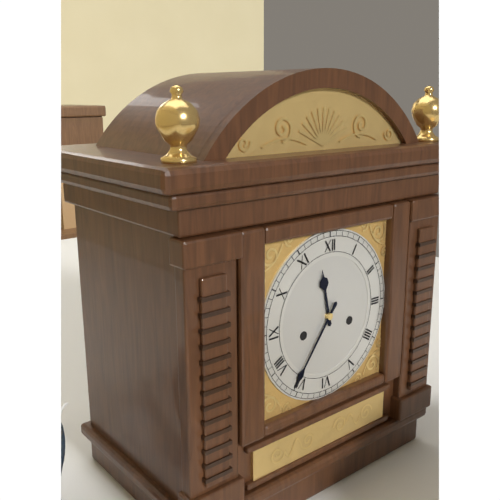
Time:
11h36
